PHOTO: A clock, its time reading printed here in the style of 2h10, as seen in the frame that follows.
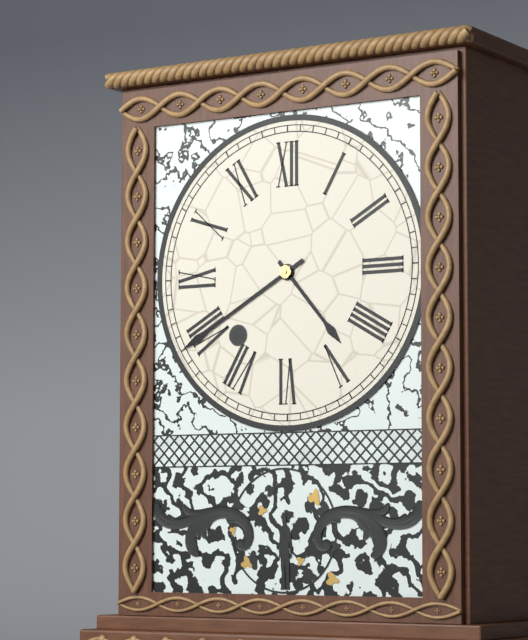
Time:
4h40
